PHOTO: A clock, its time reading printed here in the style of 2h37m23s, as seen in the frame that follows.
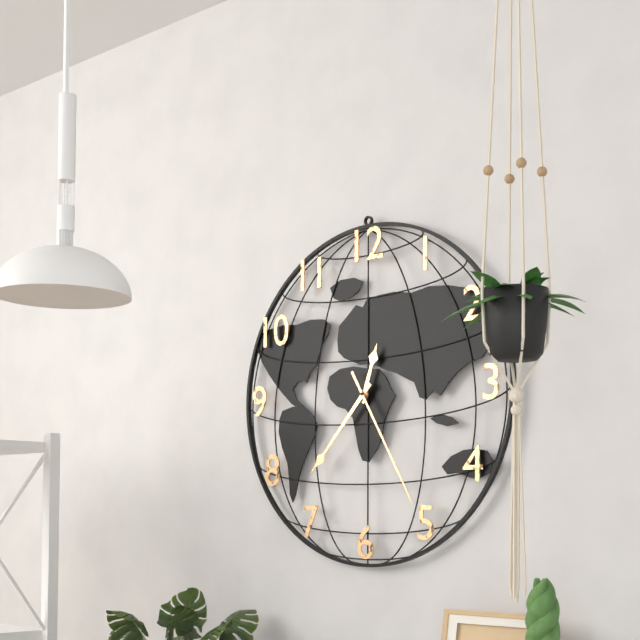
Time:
12h37m25s
